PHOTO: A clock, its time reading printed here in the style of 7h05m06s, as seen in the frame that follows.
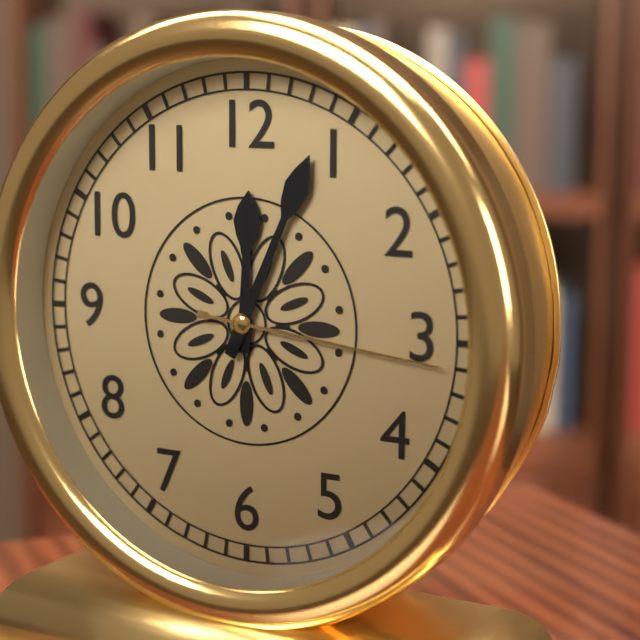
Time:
12h04m16s
